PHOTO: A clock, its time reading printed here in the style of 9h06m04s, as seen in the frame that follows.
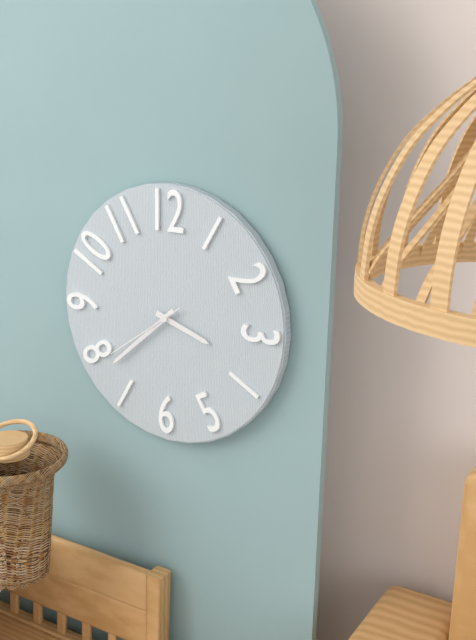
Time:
3h38m39s
